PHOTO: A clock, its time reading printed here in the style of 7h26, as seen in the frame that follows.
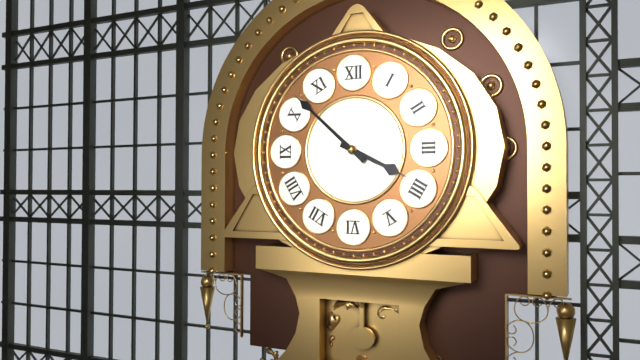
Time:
3h52
